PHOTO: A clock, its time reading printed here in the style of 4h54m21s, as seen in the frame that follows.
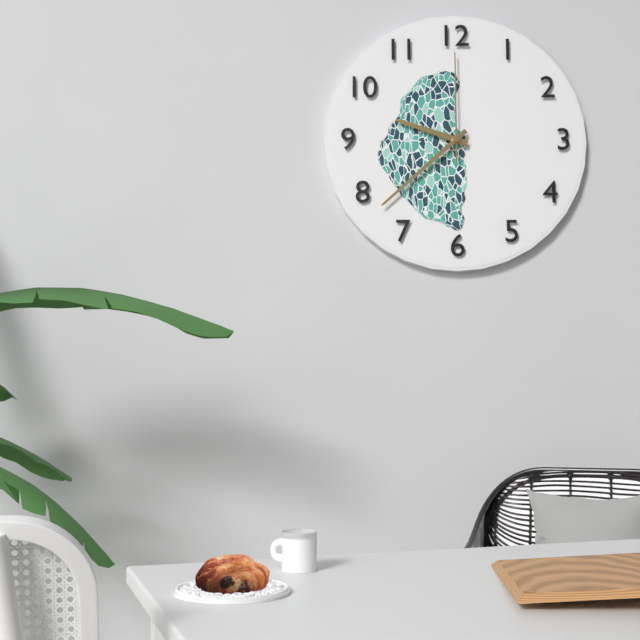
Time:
9h38m00s
